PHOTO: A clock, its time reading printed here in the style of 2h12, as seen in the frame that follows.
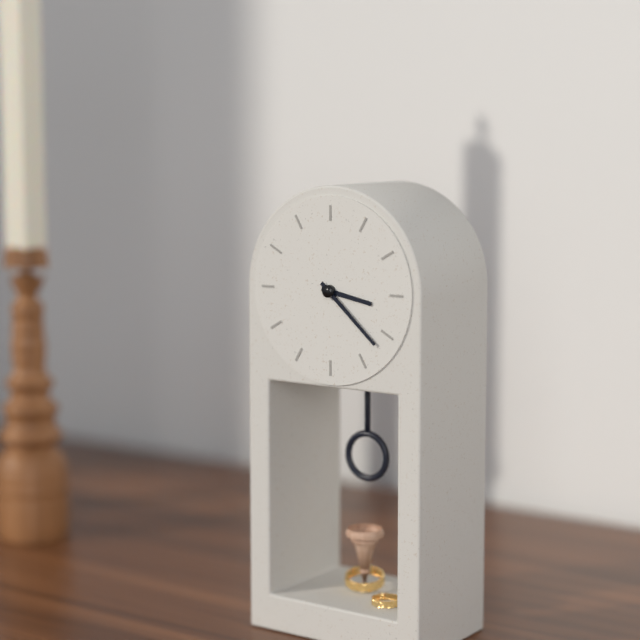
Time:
3h22
